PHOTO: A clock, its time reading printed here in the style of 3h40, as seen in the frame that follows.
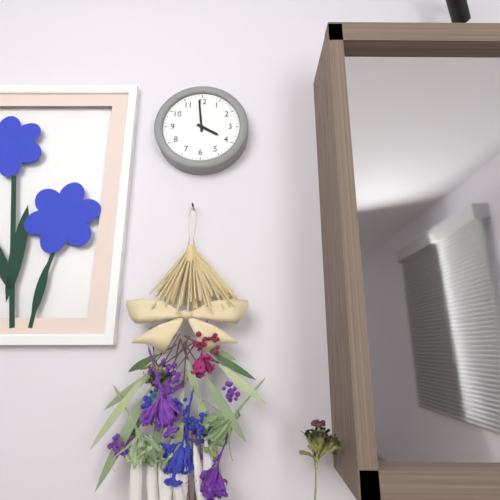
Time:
3h59
